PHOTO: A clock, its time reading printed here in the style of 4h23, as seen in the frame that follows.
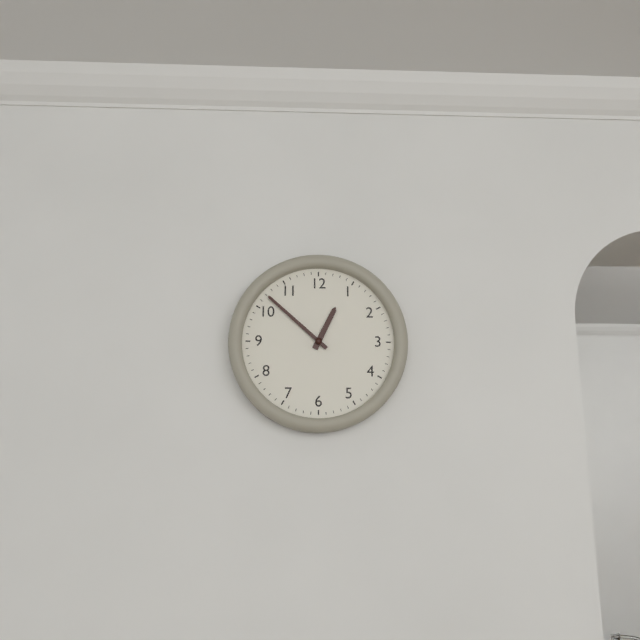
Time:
12h52
